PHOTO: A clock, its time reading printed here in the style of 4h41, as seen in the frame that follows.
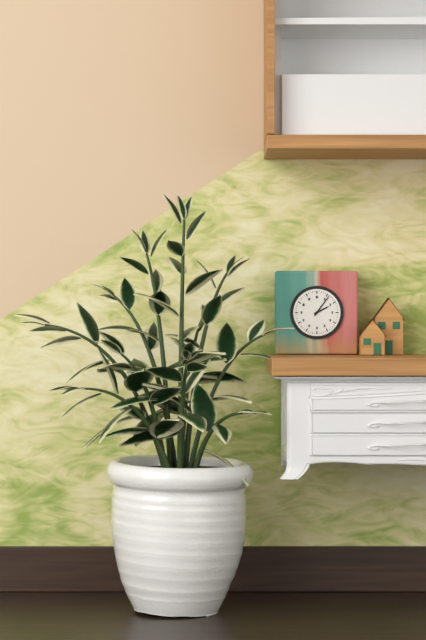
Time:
2h06
